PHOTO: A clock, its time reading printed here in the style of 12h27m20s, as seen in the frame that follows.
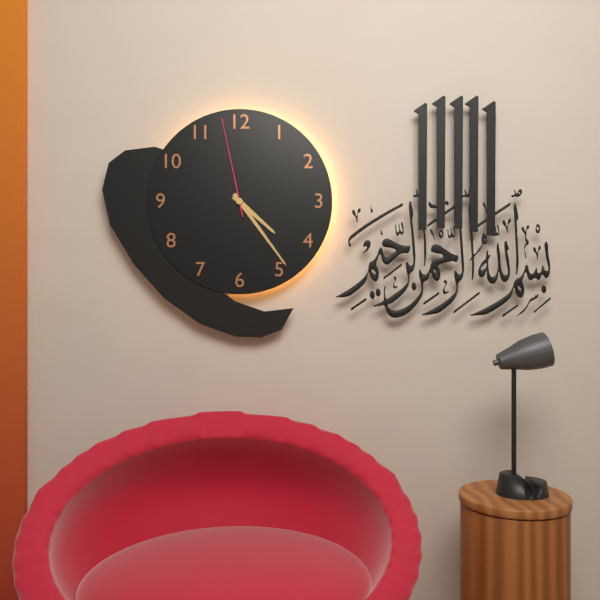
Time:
4h24m58s
